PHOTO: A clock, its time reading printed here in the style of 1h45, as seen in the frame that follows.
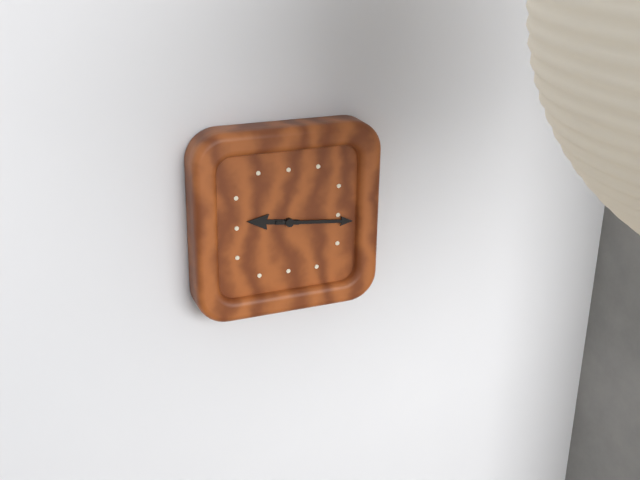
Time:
9h16
